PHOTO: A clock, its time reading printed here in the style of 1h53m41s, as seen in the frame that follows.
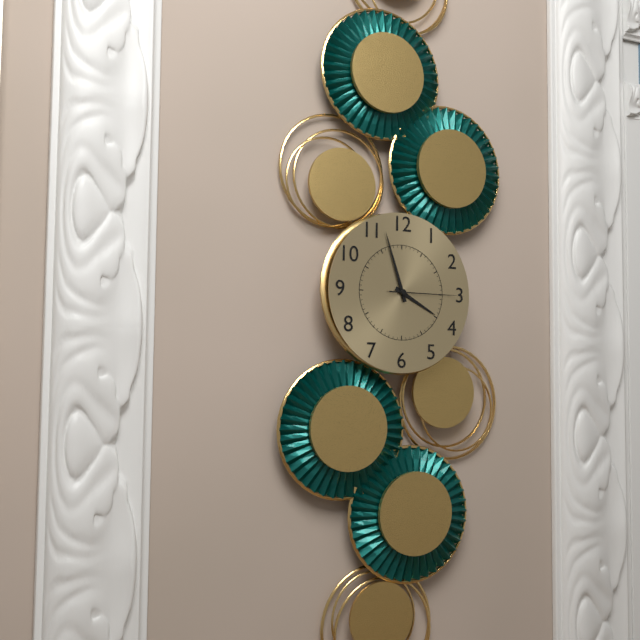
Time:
3h57m15s
